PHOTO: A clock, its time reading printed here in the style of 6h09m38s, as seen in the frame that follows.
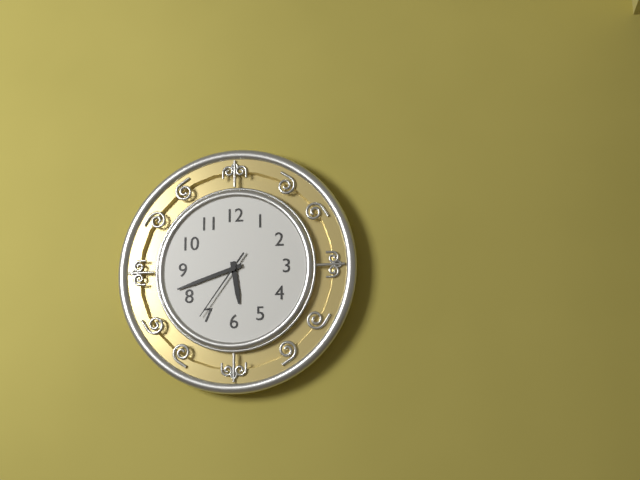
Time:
5h42m36s
